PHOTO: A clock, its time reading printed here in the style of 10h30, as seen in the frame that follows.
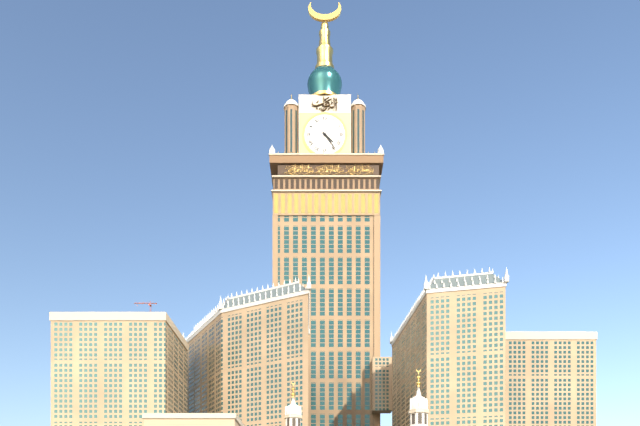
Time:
4h24
